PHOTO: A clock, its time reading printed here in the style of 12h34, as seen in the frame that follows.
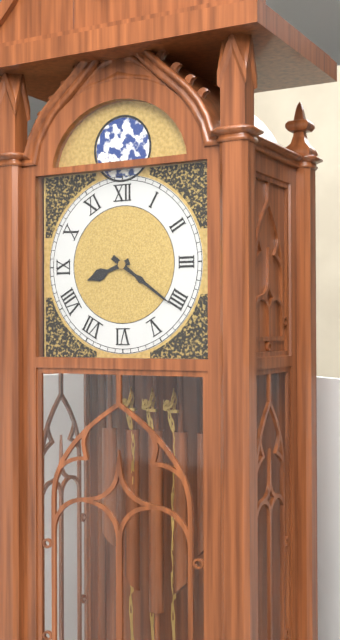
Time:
8h21
